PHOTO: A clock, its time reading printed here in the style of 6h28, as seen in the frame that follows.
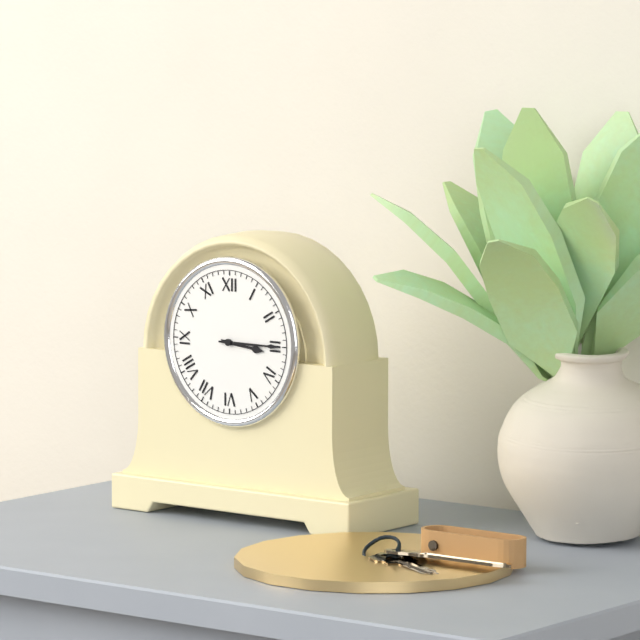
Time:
3h15
